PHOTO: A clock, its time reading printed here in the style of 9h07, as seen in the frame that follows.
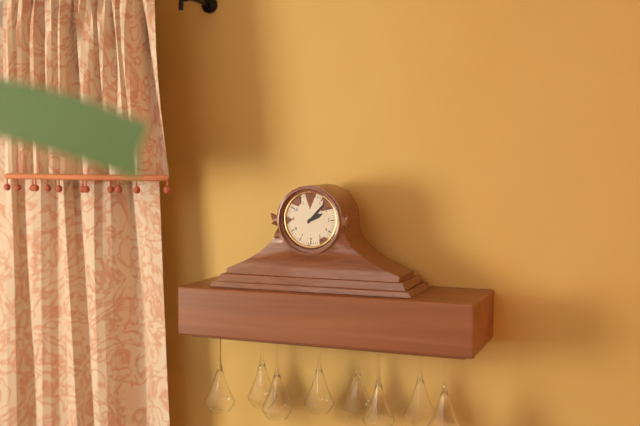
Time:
2h07
